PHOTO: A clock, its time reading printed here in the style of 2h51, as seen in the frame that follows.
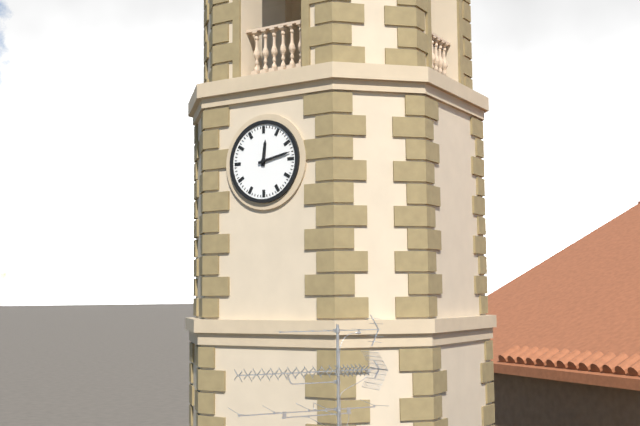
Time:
12h13
